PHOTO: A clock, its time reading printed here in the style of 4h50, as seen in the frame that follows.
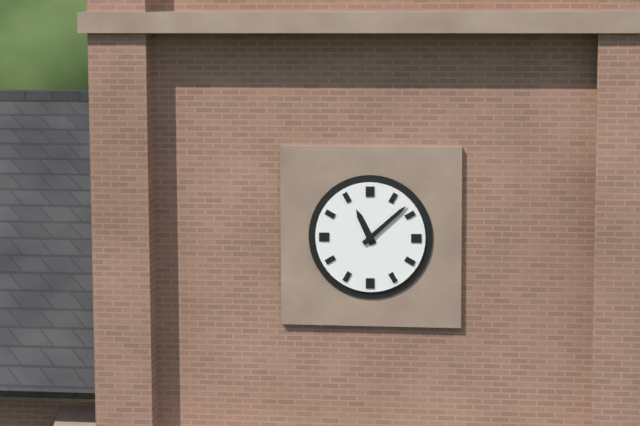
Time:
11h08
